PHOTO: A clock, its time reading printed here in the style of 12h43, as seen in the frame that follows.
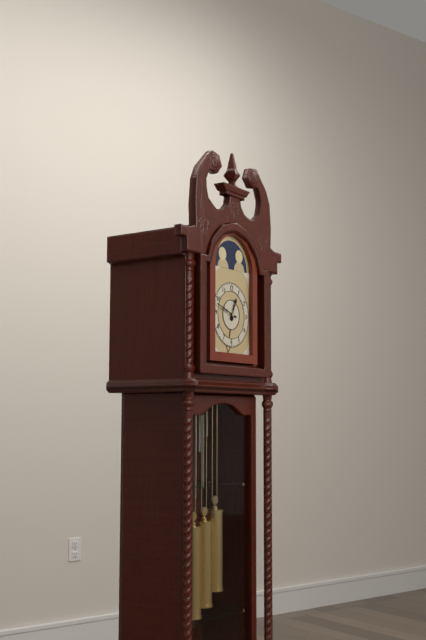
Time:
12h48
